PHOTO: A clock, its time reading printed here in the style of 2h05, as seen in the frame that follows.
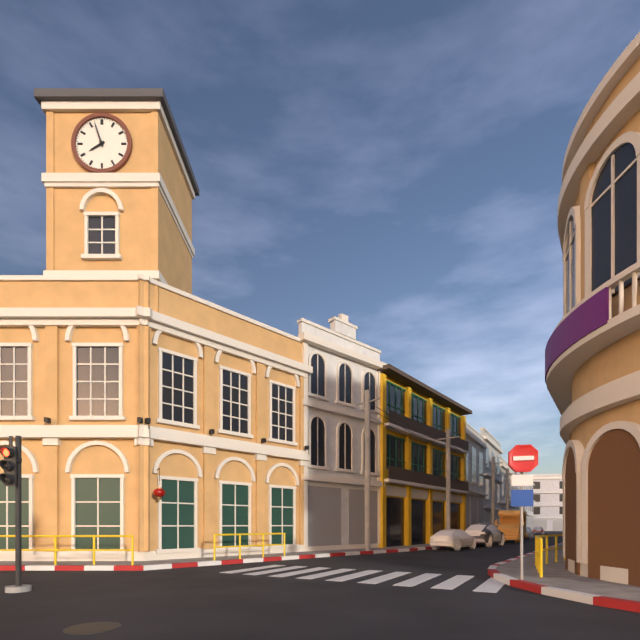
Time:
7h57
